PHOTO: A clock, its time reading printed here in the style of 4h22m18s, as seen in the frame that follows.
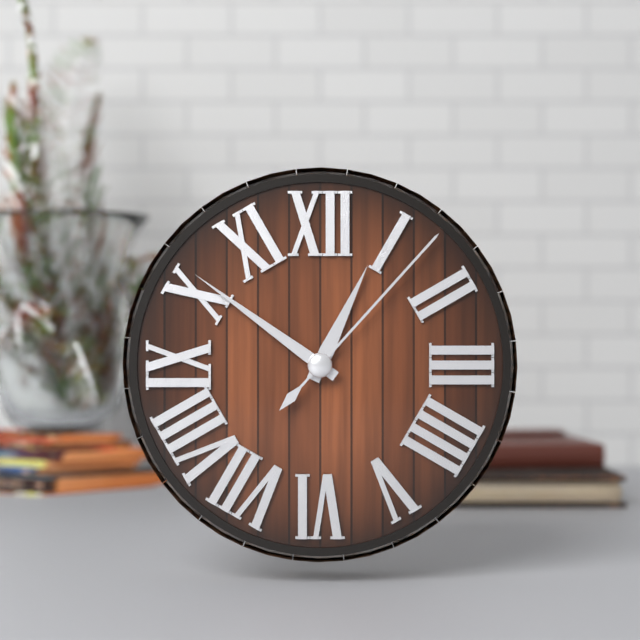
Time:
12h51m07s
